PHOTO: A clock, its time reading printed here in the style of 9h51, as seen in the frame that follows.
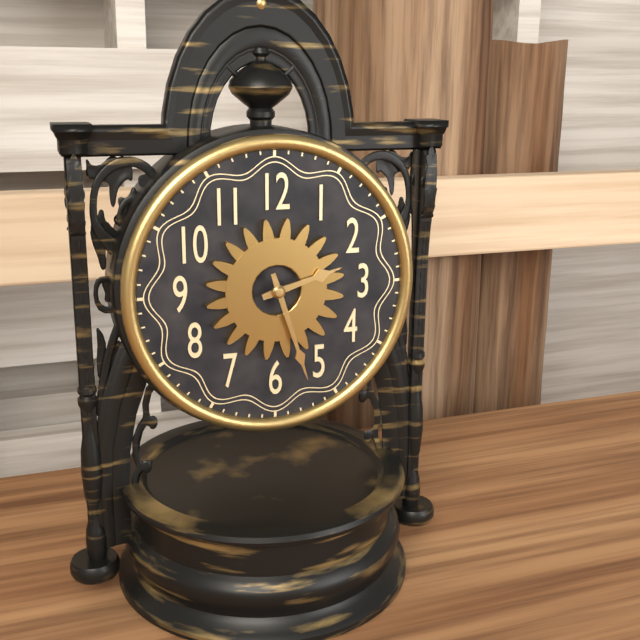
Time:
2h27
